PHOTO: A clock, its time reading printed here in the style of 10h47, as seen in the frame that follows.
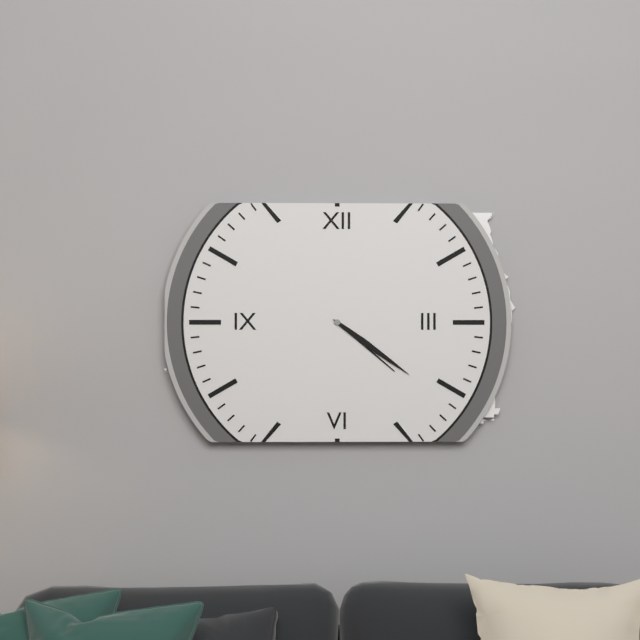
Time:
4h21
